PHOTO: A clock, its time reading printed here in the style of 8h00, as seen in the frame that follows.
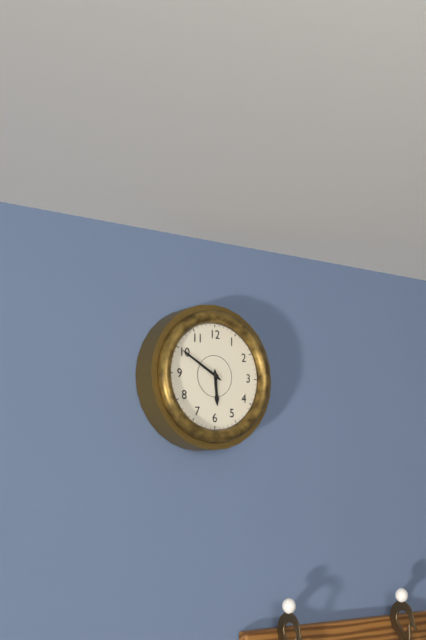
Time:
5h50
